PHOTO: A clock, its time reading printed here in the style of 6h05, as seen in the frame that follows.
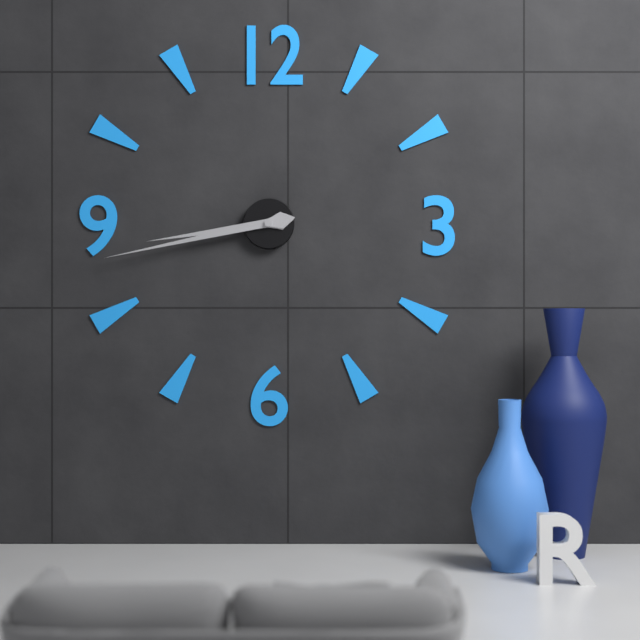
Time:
8h43
